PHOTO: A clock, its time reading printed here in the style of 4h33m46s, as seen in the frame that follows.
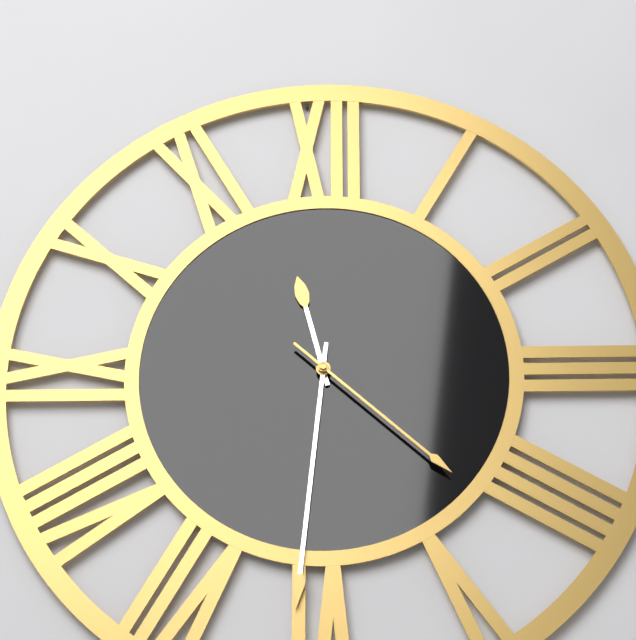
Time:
11h31m22s
